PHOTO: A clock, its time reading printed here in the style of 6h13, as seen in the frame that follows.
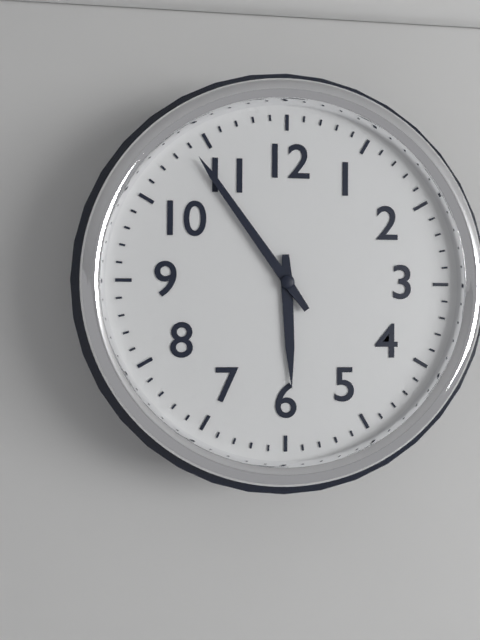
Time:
5h54
